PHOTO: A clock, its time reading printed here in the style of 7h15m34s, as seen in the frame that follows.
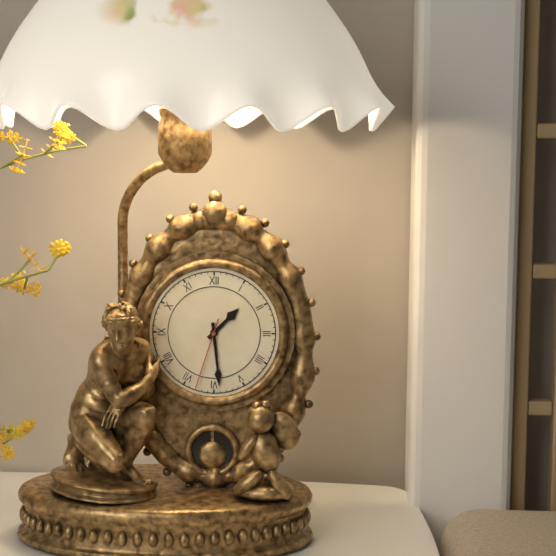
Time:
1h29m33s
